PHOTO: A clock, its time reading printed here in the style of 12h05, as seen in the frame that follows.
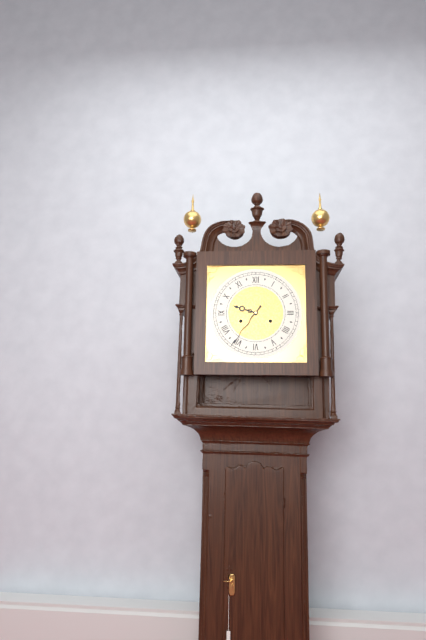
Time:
9h36
